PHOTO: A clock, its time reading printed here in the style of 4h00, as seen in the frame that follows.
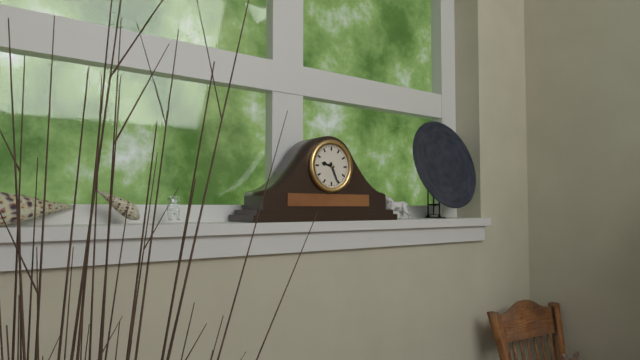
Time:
9h26
